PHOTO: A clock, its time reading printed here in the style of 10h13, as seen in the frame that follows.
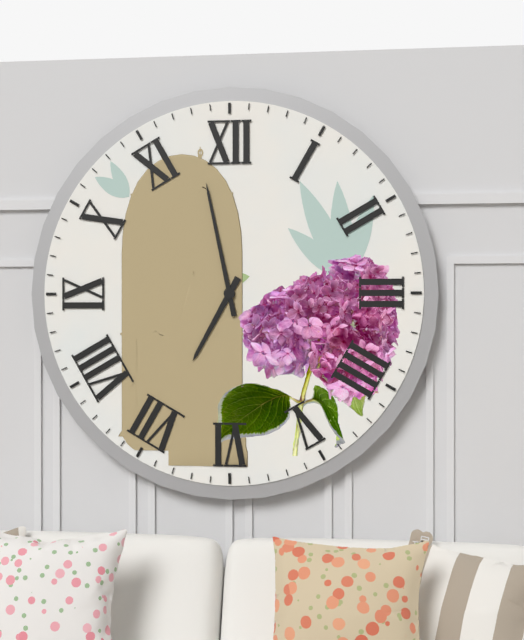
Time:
6h58
